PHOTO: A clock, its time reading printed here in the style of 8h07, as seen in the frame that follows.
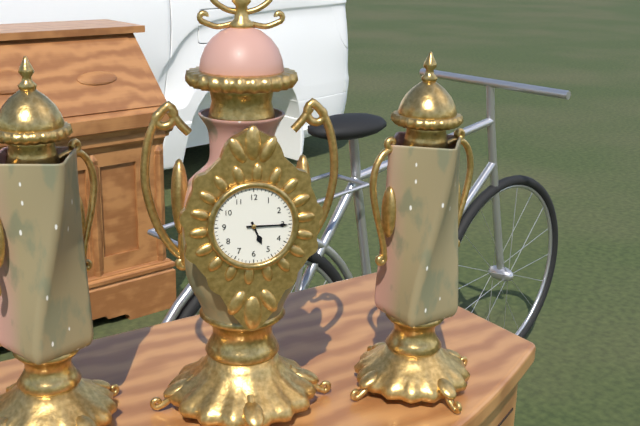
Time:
5h15
